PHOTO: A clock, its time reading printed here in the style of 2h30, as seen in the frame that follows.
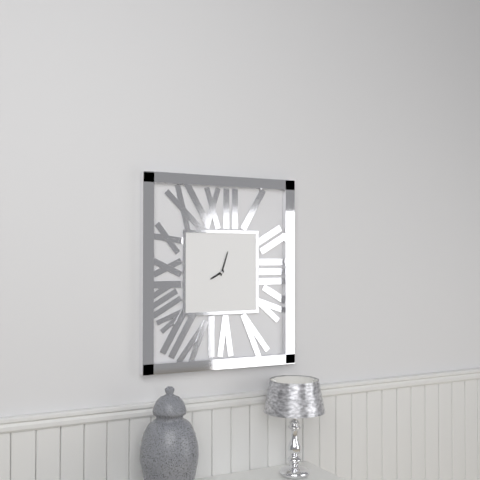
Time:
8h03
